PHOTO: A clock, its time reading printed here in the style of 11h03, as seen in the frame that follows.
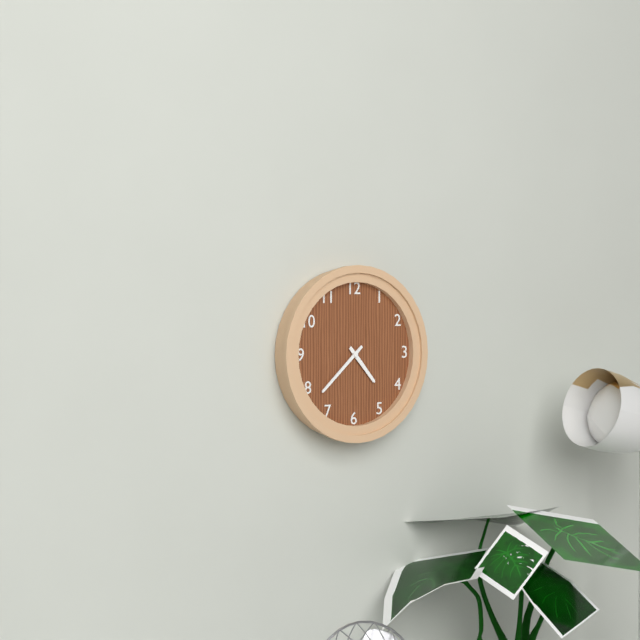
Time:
4h38
